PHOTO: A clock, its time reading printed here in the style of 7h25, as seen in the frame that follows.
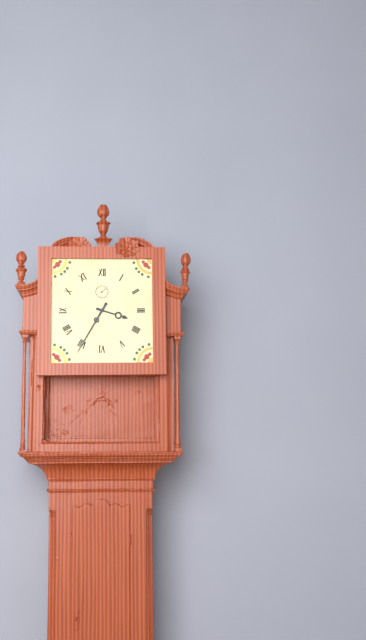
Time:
3h35
